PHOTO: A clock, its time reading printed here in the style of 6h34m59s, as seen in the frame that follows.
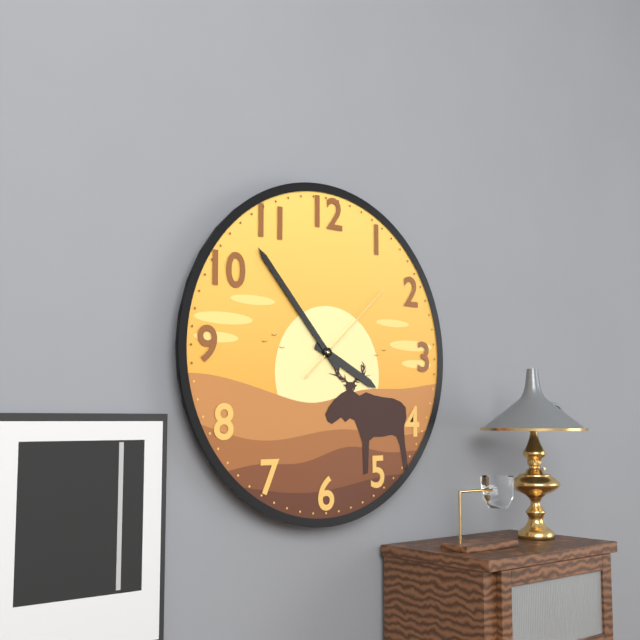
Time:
3h53m08s
